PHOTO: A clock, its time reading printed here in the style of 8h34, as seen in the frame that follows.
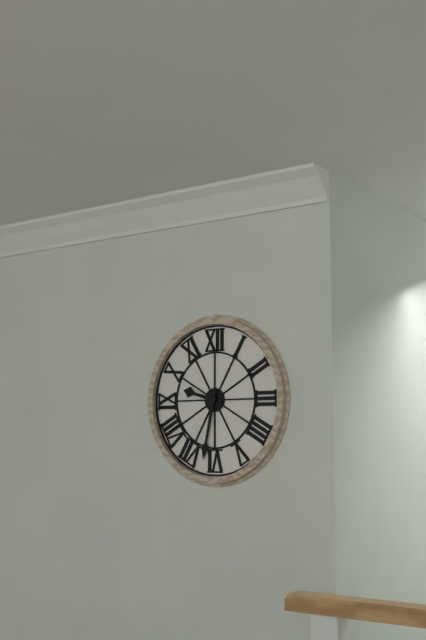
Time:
9h32
